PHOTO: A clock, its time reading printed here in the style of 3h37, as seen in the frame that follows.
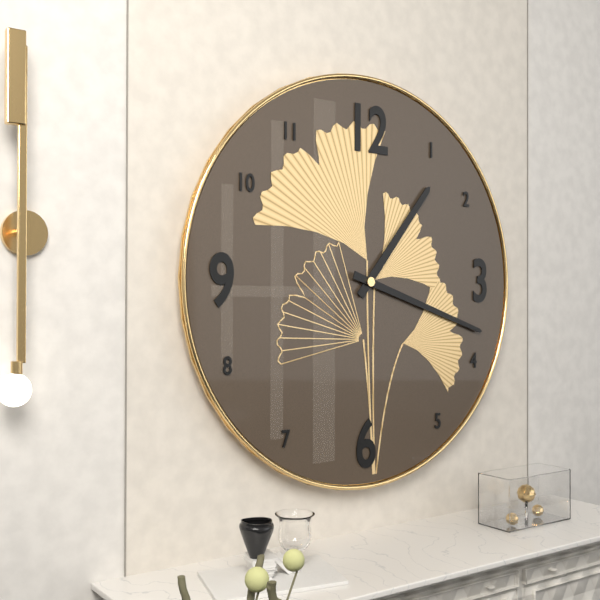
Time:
1h18
